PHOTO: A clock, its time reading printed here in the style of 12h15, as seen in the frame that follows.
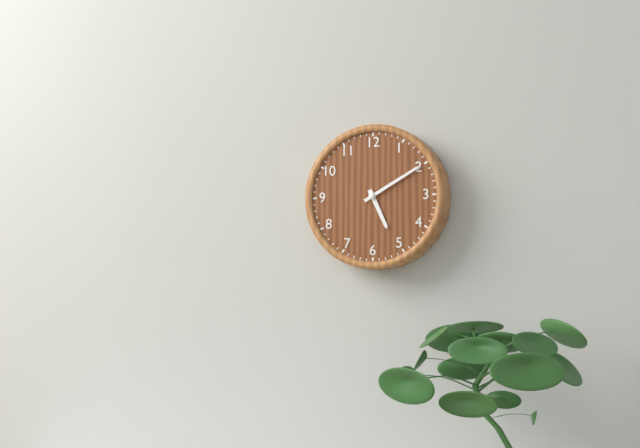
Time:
5h10
